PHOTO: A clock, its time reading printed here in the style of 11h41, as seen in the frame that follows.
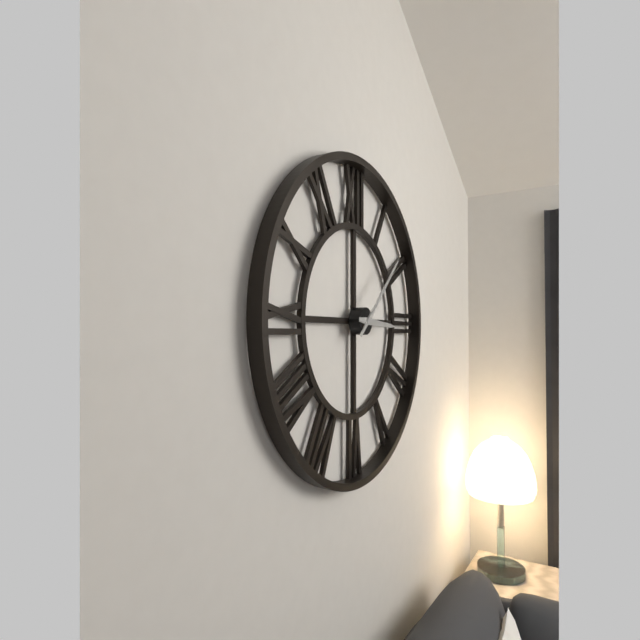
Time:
3h08
